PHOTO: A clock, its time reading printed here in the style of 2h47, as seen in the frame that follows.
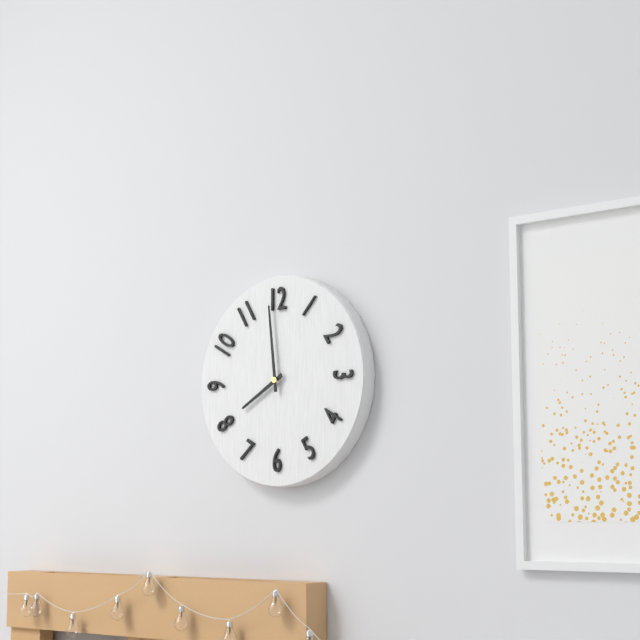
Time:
7h59
